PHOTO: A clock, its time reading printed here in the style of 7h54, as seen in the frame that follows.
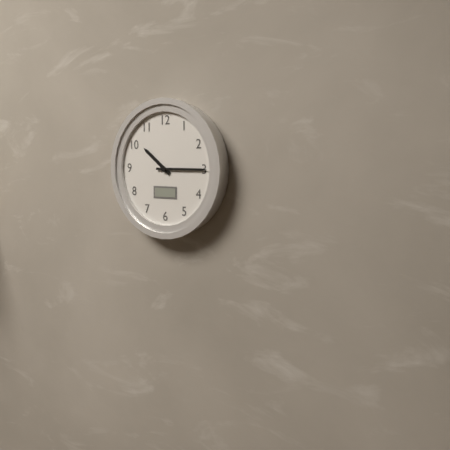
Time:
10h15
